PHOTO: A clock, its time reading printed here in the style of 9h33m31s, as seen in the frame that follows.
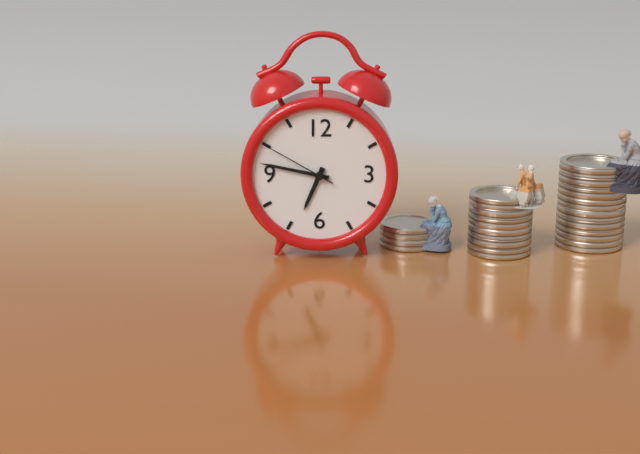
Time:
6h47m50s
